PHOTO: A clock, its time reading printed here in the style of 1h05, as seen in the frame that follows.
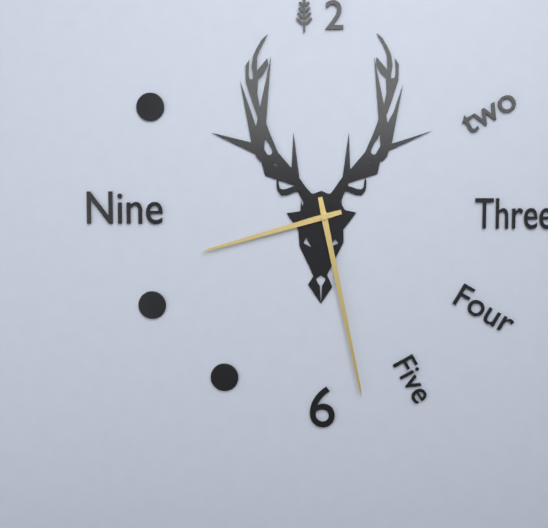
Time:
8h28
